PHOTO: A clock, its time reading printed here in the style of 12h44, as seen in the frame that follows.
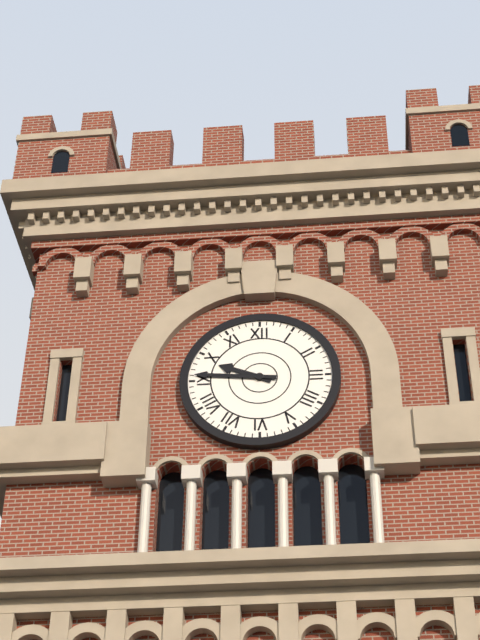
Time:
9h46
